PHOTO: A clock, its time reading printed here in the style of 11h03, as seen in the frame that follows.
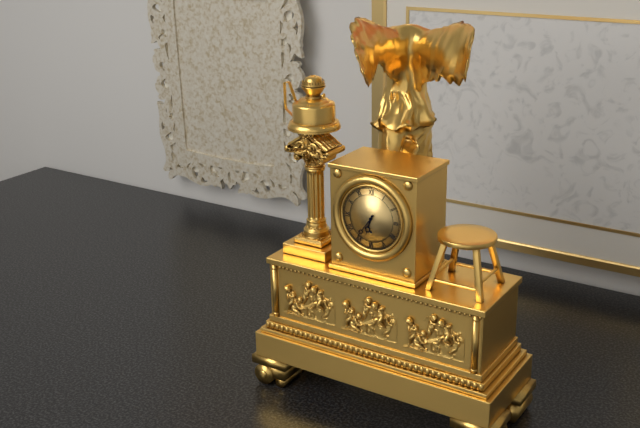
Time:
6h36
